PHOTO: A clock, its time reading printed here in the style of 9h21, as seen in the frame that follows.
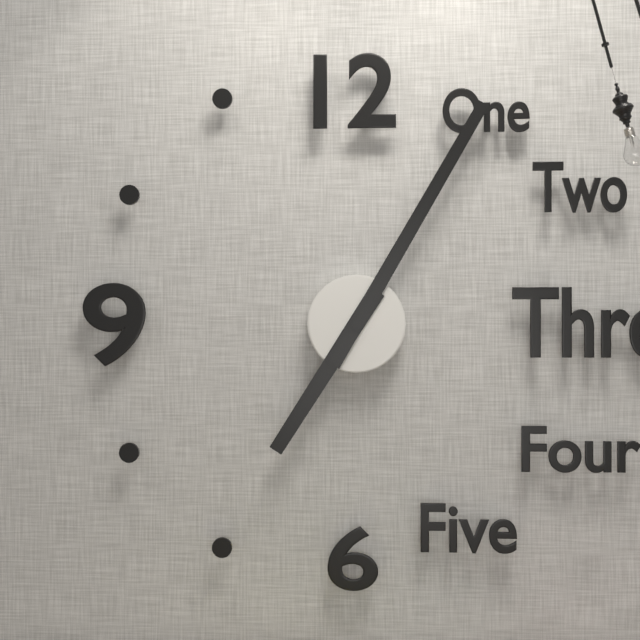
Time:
7h05
